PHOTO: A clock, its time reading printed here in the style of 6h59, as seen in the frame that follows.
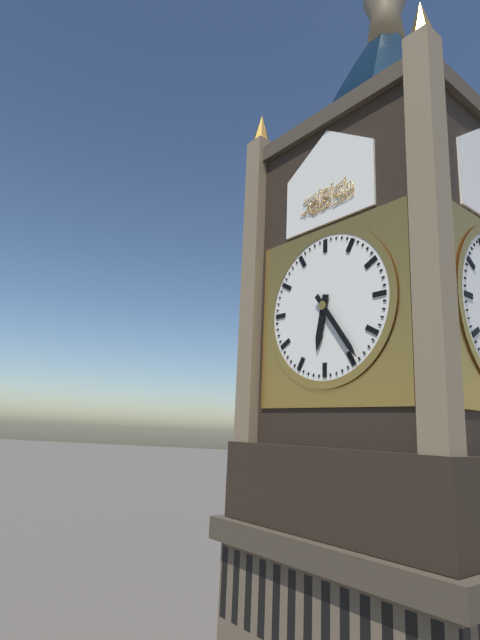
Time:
6h24
